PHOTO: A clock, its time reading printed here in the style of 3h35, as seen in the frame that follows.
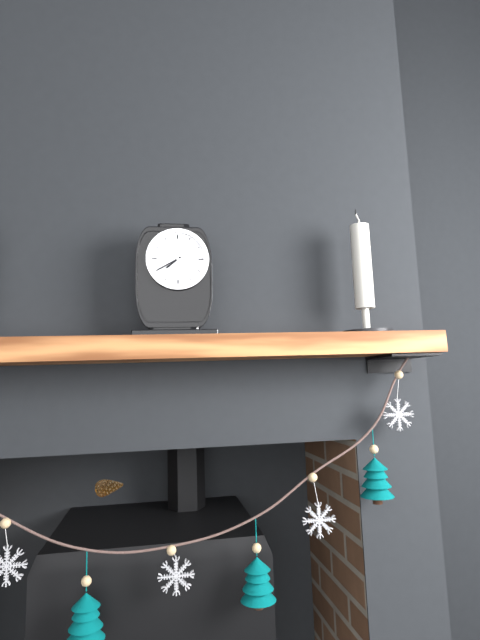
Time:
7h40
